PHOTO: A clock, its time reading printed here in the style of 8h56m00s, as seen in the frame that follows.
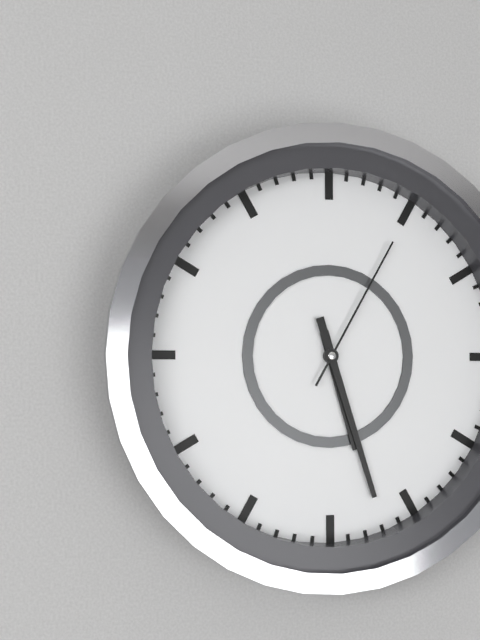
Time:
5h27m05s
